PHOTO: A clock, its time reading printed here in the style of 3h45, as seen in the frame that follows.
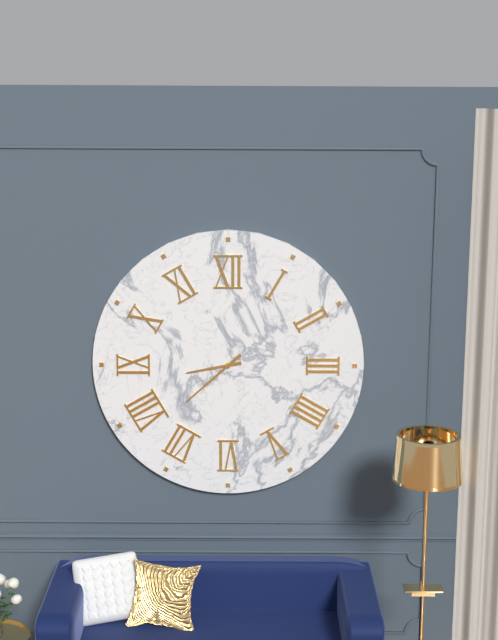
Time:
8h38
